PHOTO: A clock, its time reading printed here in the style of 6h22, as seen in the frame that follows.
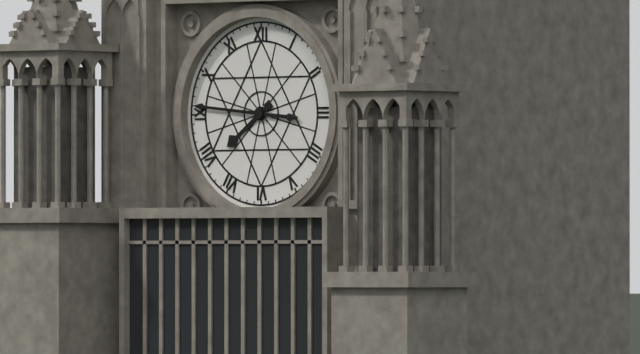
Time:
7h46
